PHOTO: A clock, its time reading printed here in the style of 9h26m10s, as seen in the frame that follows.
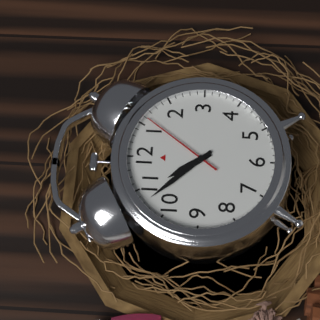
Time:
10h53m06s
